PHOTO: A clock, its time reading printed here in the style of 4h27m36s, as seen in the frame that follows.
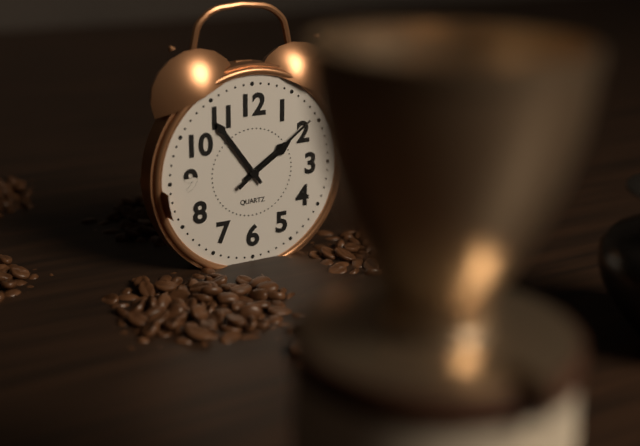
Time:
1h54m09s
